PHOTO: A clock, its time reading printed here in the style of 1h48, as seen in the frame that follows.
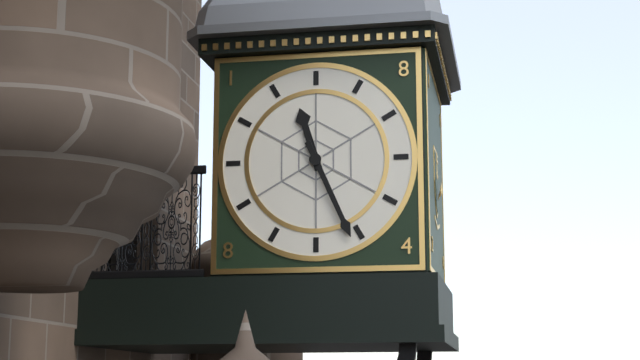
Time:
11h26
